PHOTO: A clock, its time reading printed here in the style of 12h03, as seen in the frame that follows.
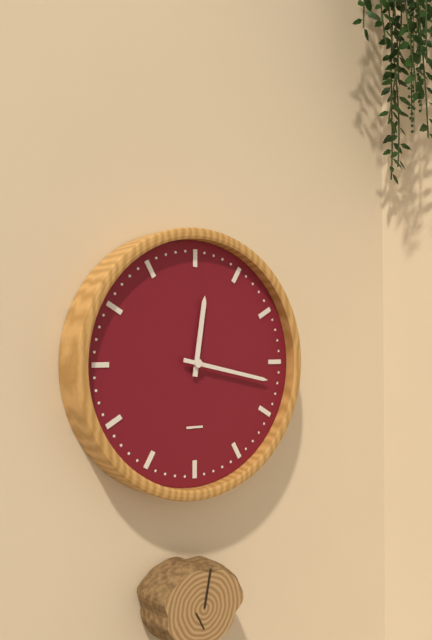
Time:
12h17
